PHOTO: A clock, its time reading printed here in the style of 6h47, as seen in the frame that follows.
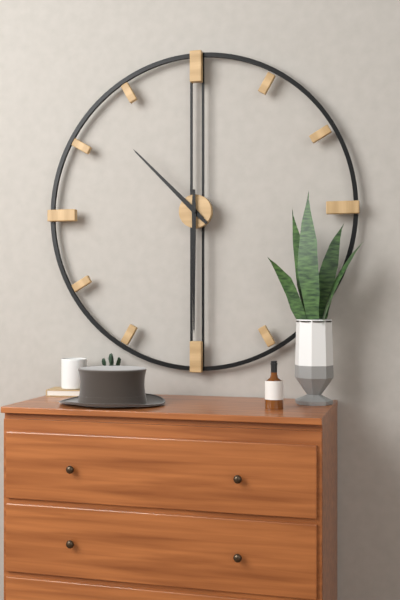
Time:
10h30
